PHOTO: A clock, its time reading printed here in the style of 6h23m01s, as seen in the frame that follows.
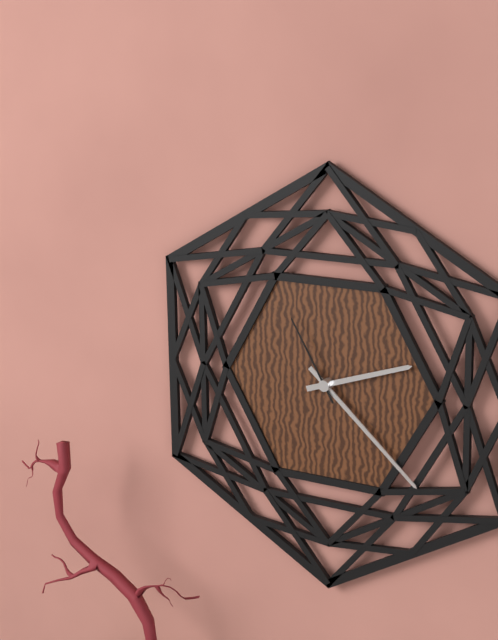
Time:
2h22m55s
